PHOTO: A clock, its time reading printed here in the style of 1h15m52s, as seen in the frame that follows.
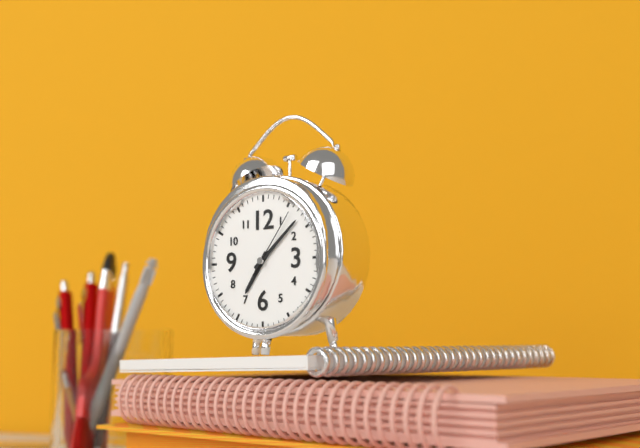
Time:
7h08m06s
